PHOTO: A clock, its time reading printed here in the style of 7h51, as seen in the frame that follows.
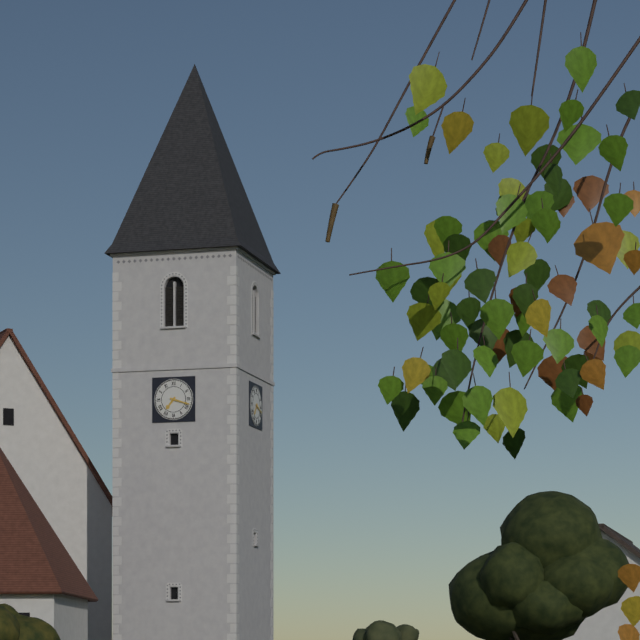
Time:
7h18
